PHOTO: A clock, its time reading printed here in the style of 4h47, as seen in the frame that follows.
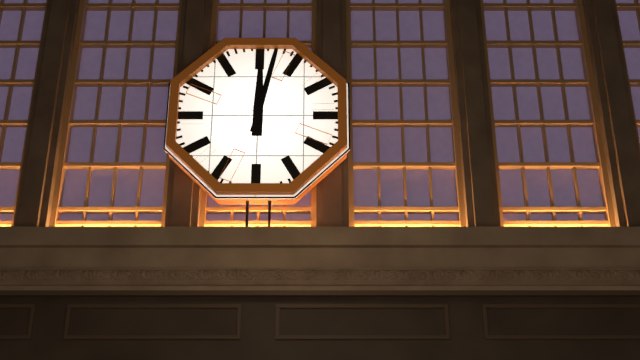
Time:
12h02
